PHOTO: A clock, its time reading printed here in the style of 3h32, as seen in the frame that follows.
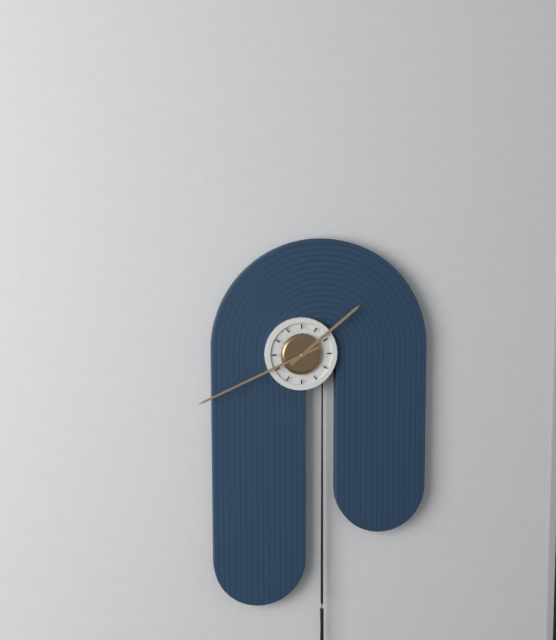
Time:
1h41
